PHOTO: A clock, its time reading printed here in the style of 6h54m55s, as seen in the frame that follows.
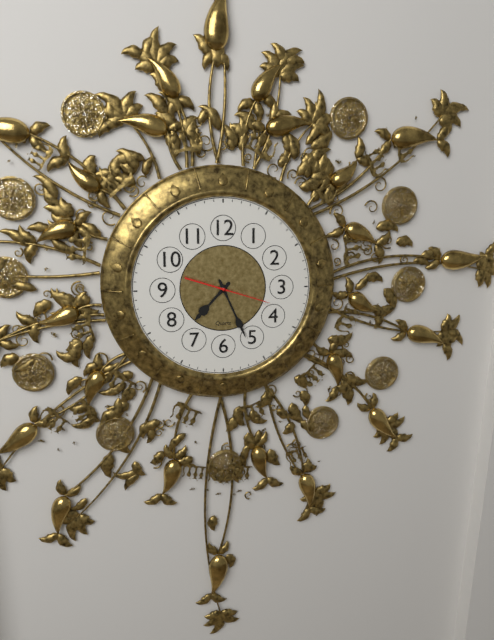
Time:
7h26m18s
